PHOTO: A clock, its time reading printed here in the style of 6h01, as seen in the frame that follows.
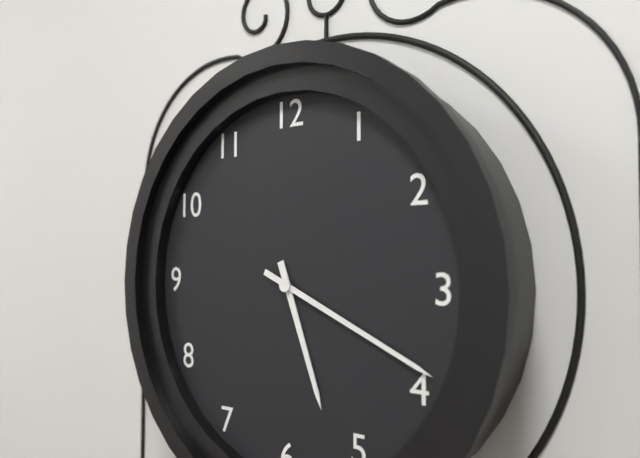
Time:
5h19
